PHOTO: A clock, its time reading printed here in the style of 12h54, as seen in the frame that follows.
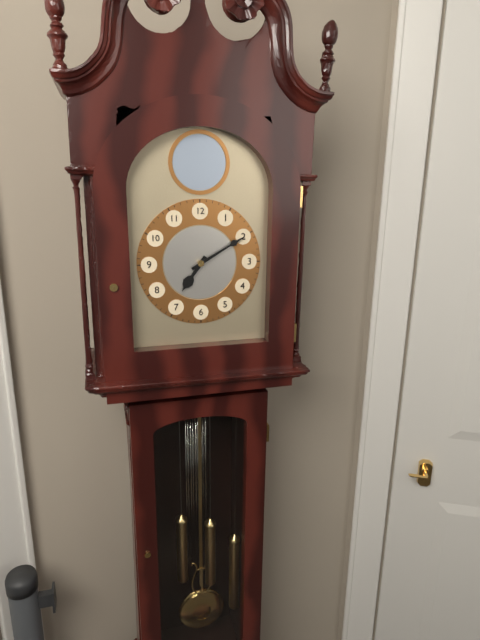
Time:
7h10
